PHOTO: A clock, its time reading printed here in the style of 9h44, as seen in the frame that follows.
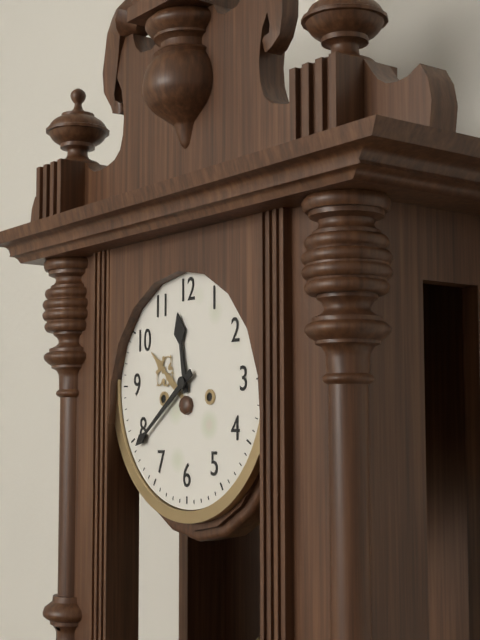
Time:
11h39
